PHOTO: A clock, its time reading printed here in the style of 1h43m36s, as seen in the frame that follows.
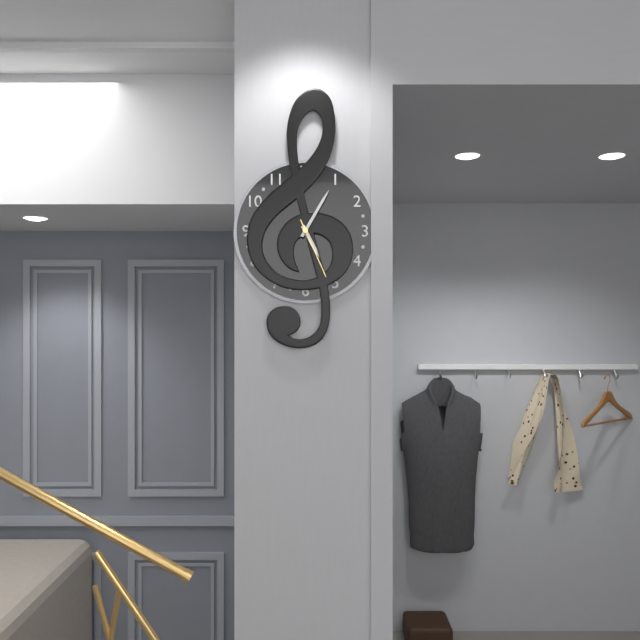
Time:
5h05m26s
